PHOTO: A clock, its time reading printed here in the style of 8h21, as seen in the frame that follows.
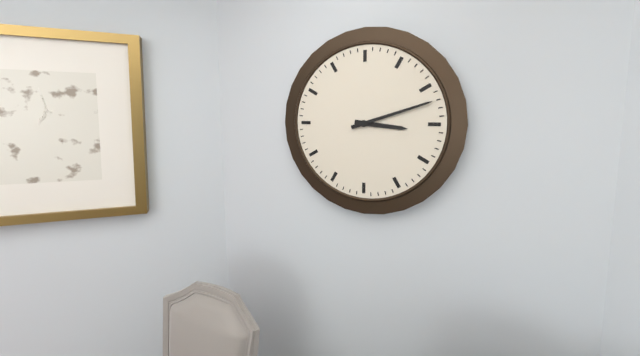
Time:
3h12
